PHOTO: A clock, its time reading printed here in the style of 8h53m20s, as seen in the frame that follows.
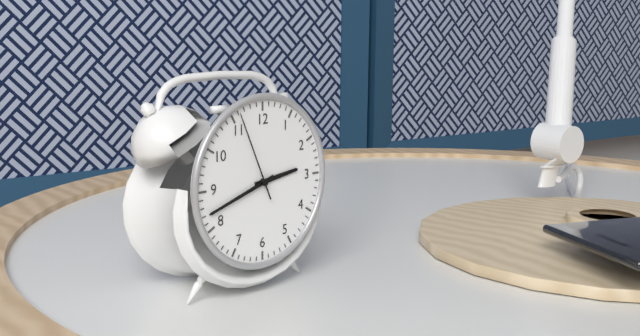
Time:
2h42m56s
